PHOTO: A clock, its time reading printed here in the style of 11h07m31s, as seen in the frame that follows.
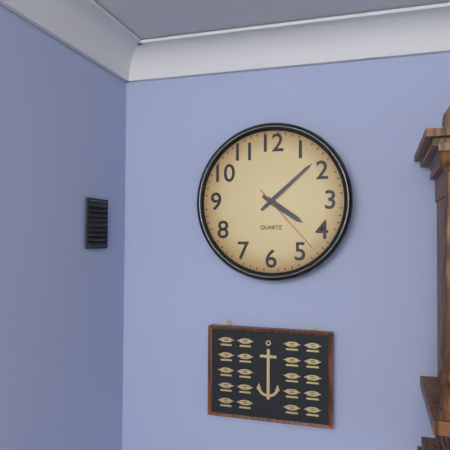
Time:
4h08m23s
